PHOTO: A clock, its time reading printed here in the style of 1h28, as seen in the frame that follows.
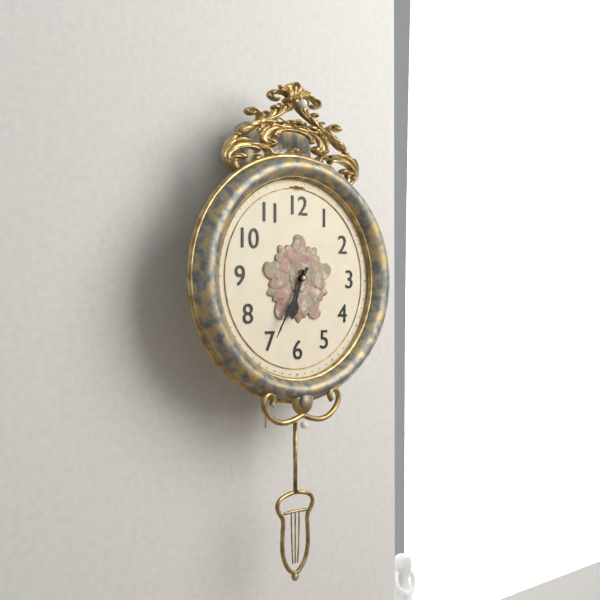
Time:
6h35
